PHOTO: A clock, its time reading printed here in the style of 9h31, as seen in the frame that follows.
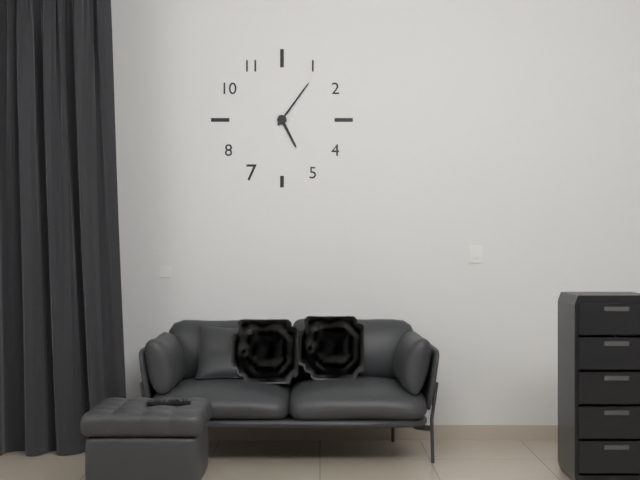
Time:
5h06
